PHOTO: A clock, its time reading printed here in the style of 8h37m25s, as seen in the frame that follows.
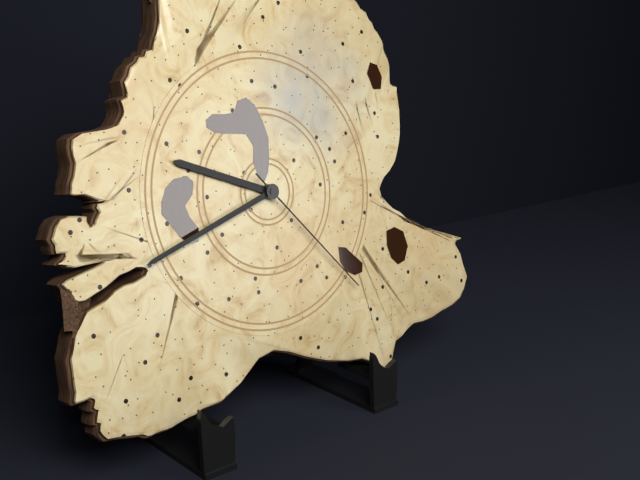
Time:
9h42m23s
